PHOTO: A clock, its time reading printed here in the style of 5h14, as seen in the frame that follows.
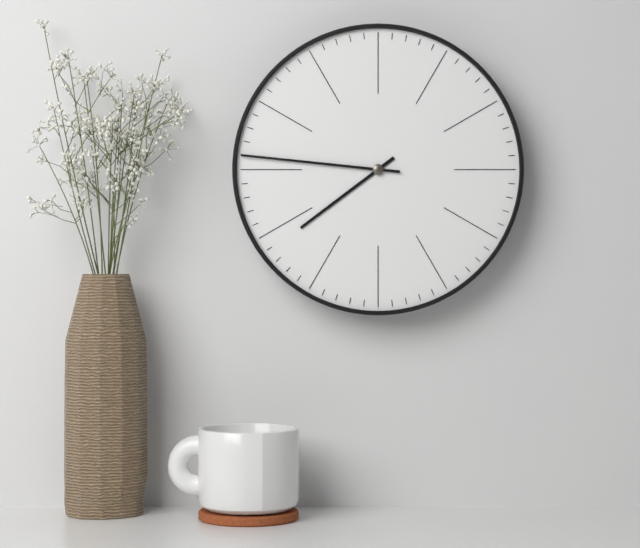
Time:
7h46
